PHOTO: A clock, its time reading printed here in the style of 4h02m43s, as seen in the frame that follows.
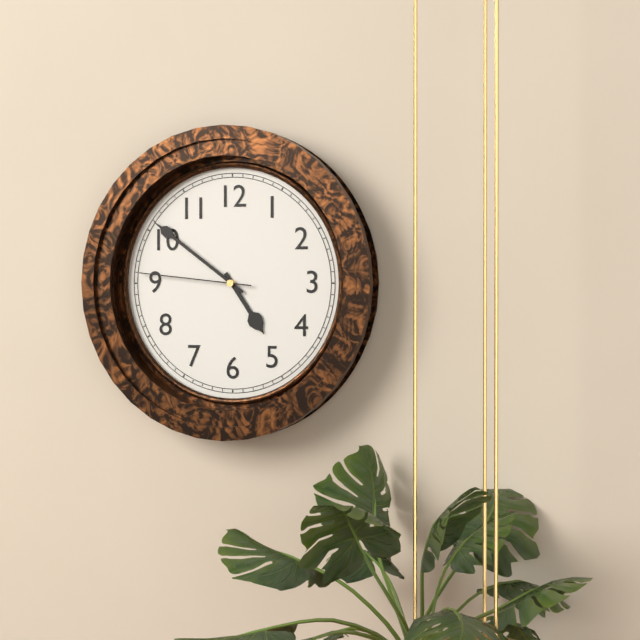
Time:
4h51m46s
